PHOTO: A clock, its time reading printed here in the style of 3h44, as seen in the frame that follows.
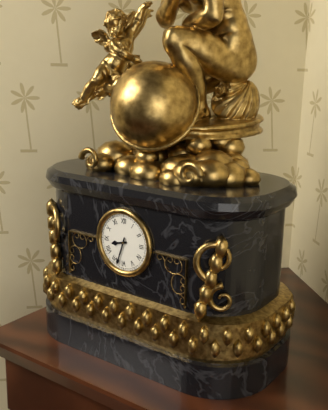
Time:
8h33
